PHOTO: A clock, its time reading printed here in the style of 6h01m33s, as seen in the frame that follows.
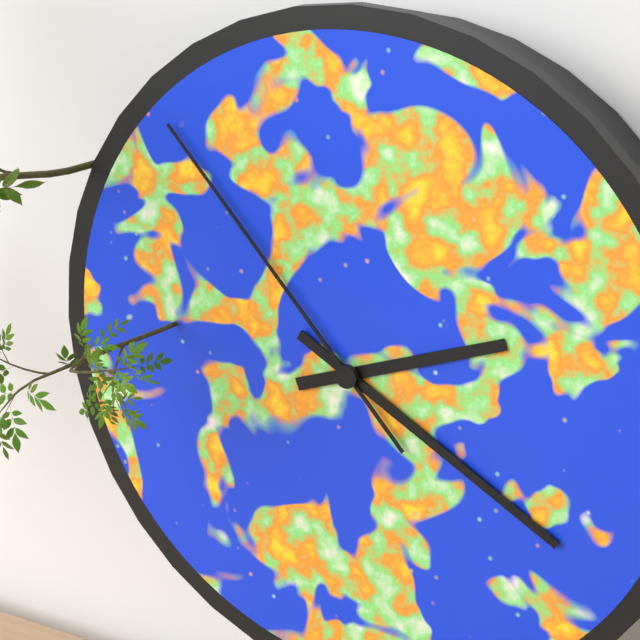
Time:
2h20m53s
